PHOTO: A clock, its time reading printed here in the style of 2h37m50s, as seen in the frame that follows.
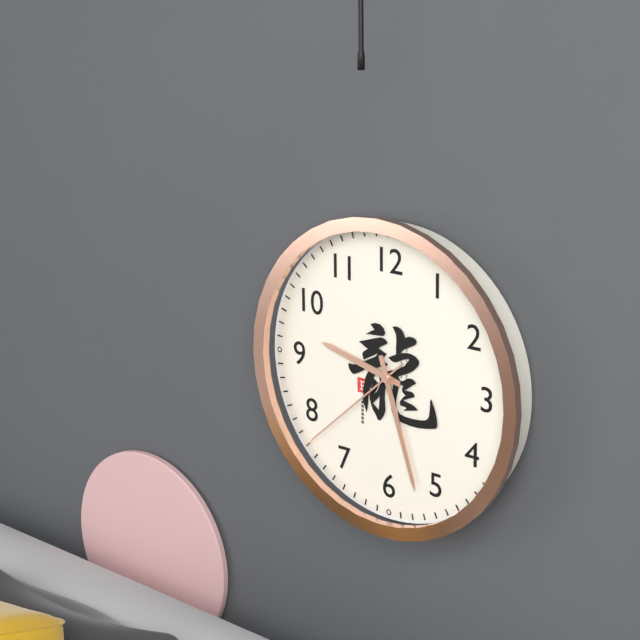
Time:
9h27m38s
